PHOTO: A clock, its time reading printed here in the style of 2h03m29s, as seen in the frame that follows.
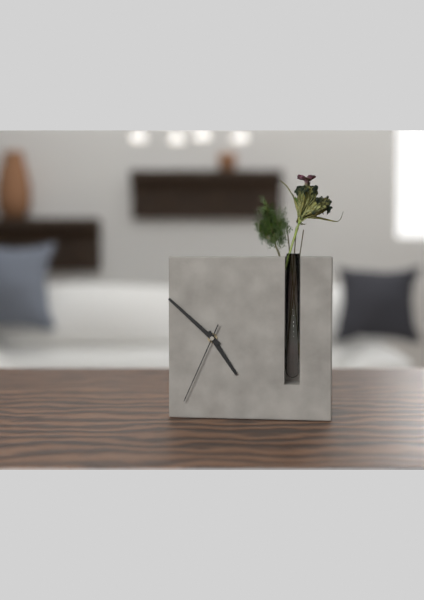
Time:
4h52m34s
